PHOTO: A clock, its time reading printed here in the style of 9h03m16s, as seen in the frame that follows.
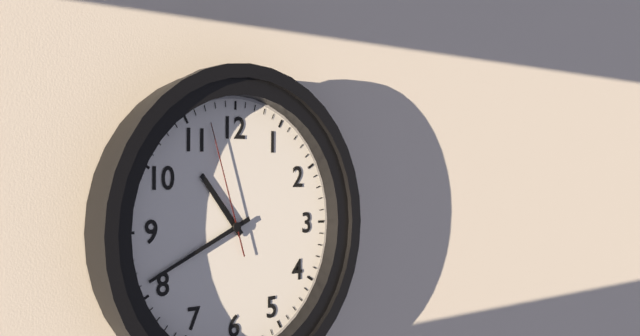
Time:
10h41m57s
